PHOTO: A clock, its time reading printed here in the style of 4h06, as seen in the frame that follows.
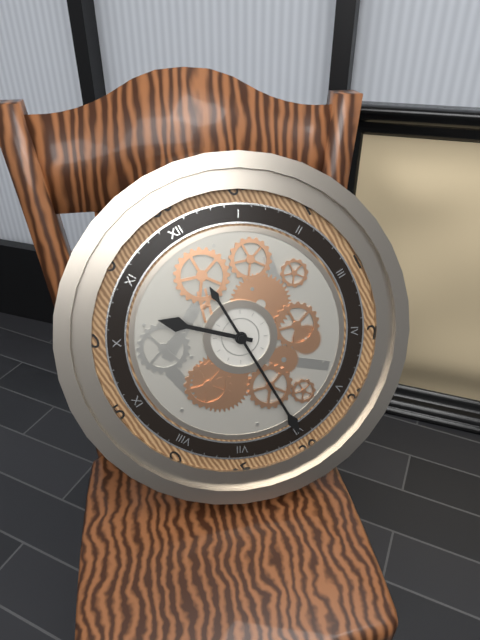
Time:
10h30
